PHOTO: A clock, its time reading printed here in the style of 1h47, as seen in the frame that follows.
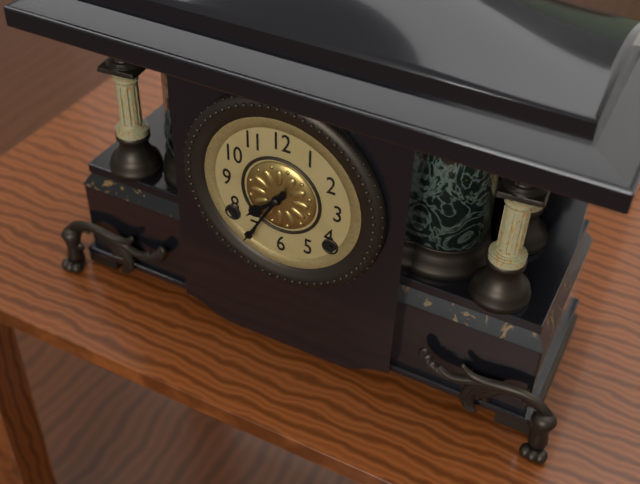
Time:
7h35
